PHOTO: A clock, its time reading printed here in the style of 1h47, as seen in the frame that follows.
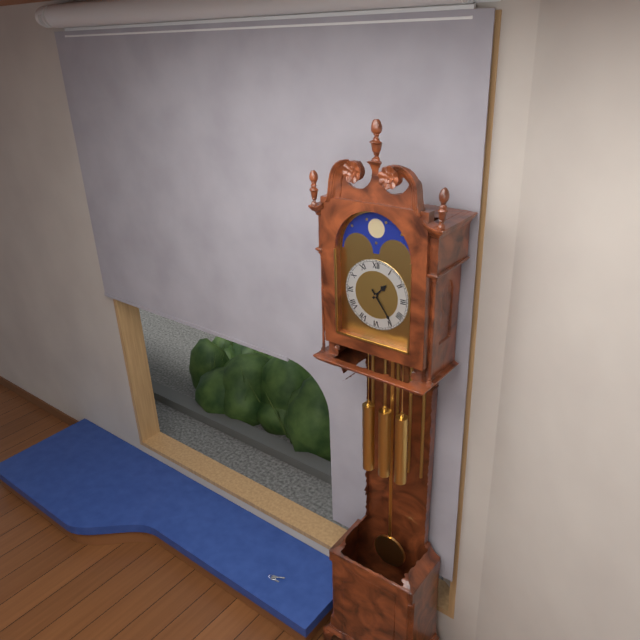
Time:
1h24
